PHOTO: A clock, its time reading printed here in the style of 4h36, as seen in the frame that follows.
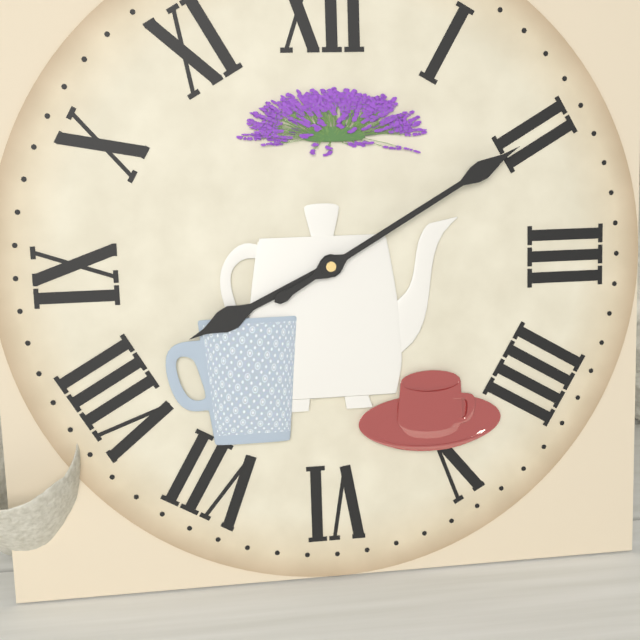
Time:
8h10
